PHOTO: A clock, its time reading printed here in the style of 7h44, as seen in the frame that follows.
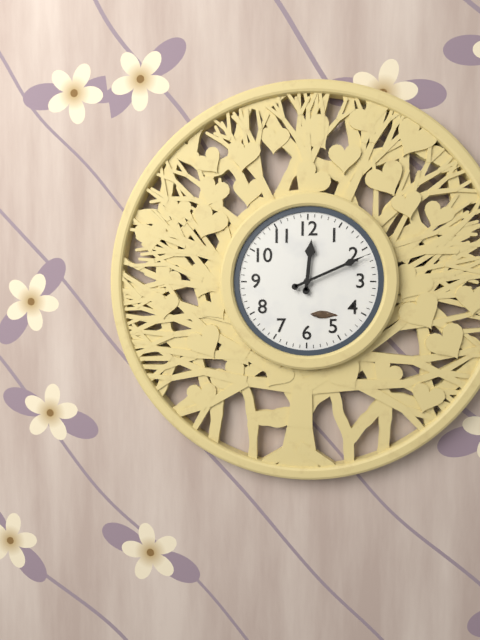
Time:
12h11
